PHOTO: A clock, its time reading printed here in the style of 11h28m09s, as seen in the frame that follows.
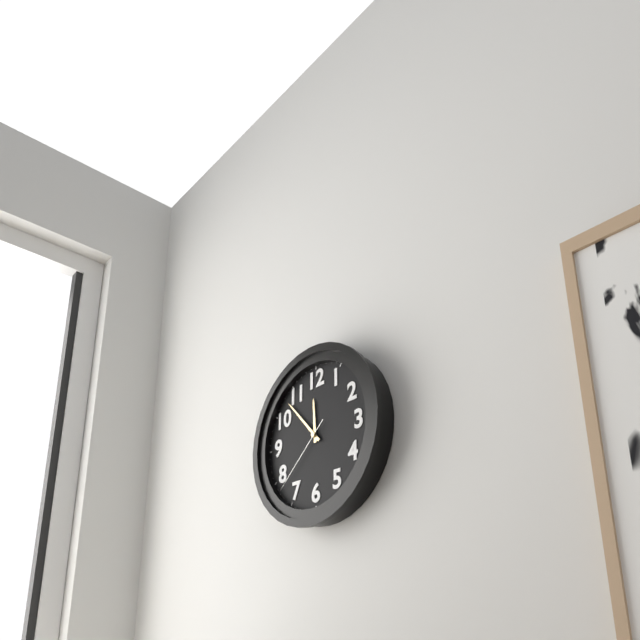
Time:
11h53m38s
